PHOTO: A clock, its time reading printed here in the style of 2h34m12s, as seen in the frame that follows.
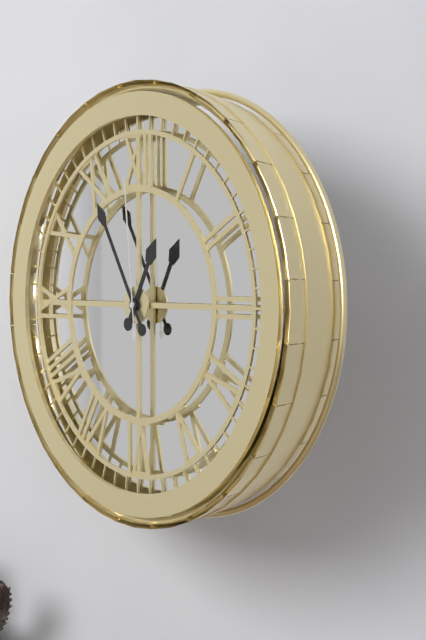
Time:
12h55m59s
